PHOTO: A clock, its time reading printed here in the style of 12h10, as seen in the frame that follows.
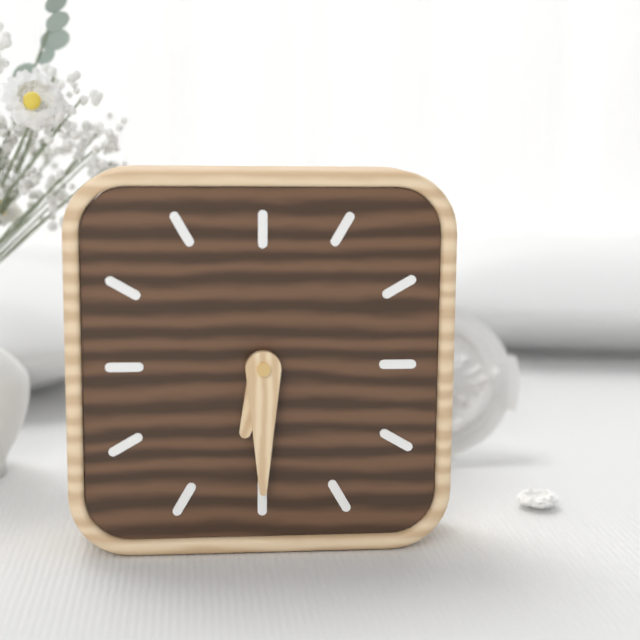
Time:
6h30
